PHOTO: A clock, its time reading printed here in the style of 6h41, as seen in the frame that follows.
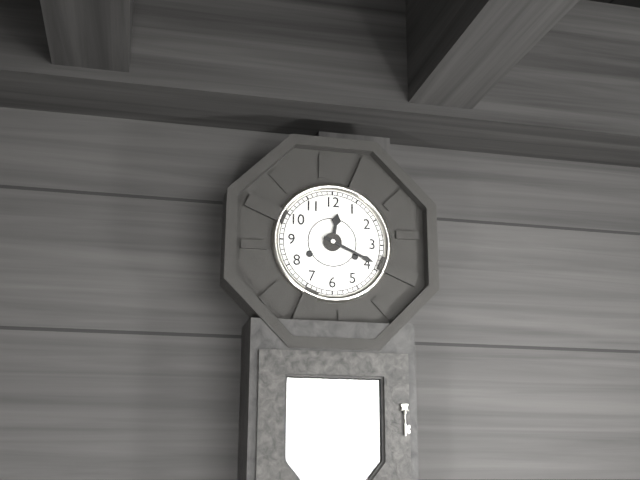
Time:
12h19
